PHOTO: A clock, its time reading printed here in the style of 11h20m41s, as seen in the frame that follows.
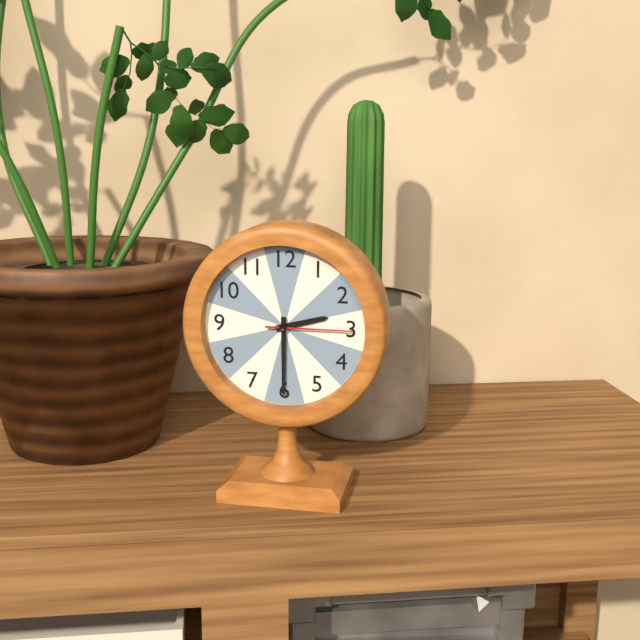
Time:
2h30m15s
